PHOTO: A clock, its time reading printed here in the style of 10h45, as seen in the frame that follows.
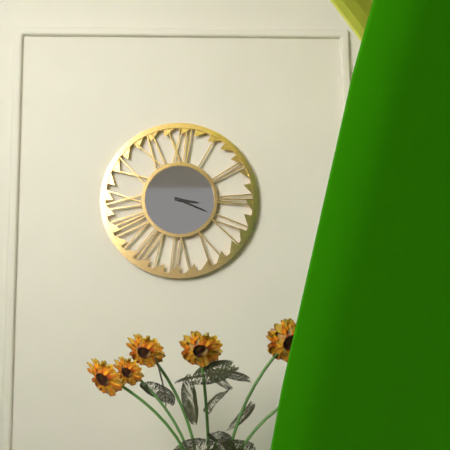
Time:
3h19
